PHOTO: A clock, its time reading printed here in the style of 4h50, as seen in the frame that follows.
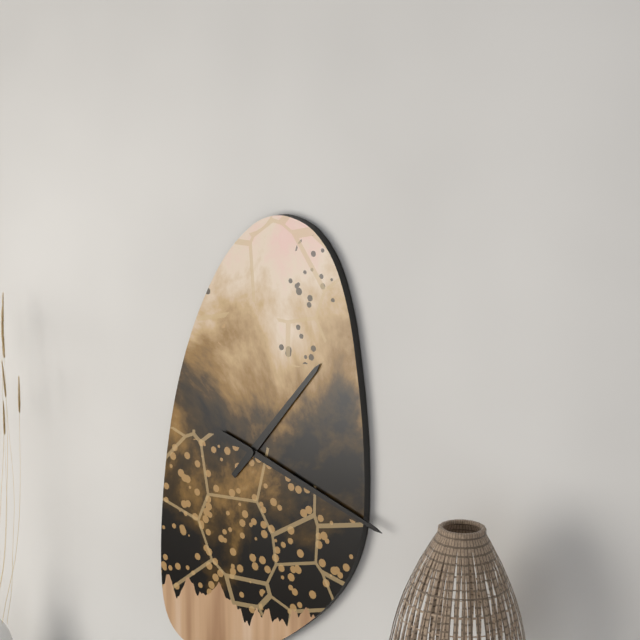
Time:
1h18
